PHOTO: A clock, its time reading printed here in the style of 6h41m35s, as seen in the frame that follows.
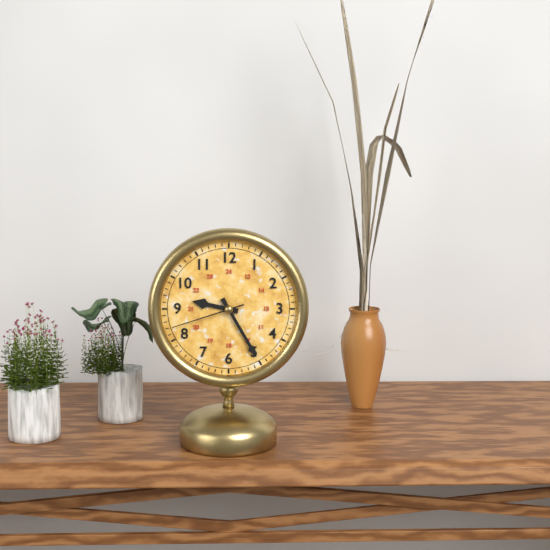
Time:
9h25m42s
